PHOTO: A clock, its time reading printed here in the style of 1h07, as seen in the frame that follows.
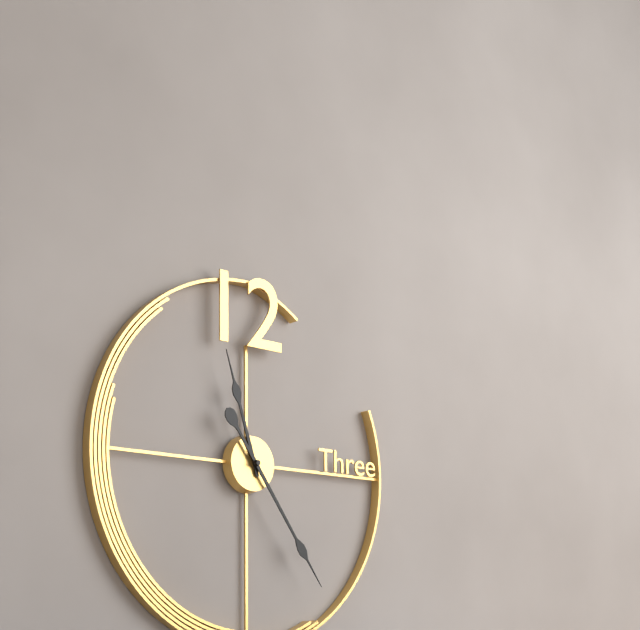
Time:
11h24
